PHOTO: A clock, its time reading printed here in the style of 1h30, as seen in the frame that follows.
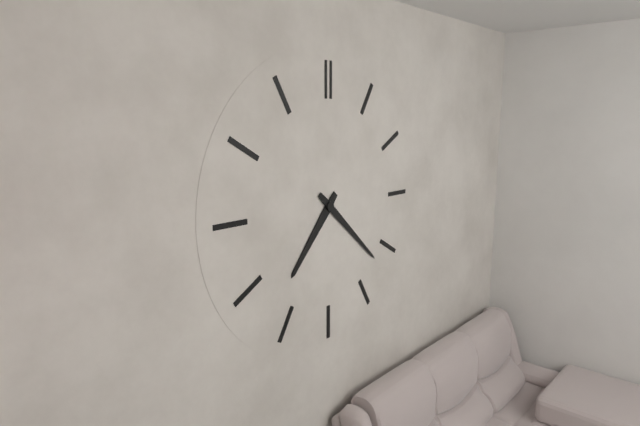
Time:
7h22
